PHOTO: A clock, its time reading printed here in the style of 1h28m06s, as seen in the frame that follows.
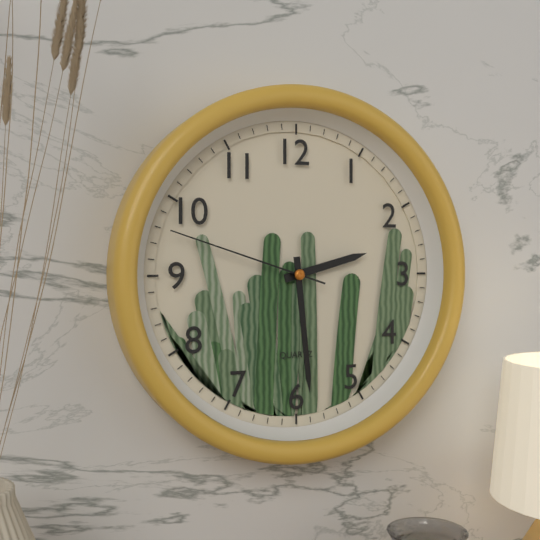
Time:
2h29m48s
